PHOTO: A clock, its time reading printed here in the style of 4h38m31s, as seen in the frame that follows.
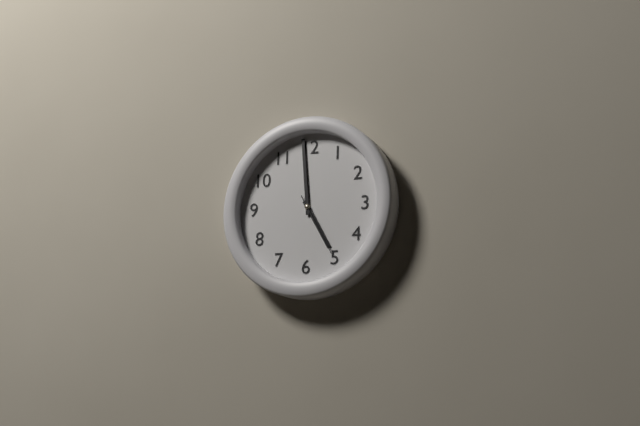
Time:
4h59m25s
